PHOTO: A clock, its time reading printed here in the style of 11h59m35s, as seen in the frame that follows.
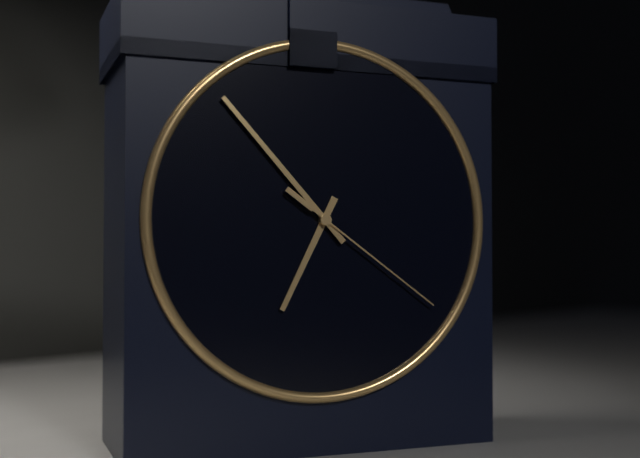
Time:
6h53m21s
